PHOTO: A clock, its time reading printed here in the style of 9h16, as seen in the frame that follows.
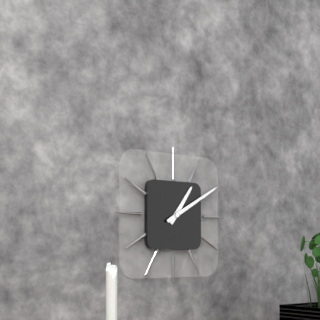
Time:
1h10
